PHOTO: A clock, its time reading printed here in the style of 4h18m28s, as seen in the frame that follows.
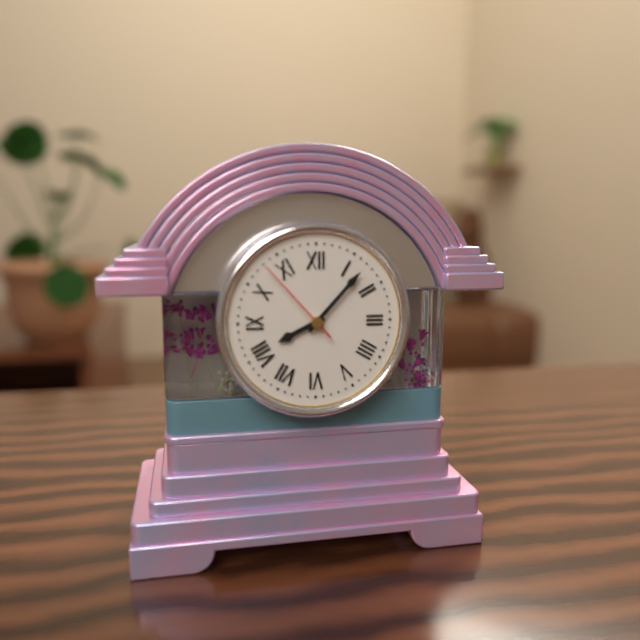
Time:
8h07m53s
